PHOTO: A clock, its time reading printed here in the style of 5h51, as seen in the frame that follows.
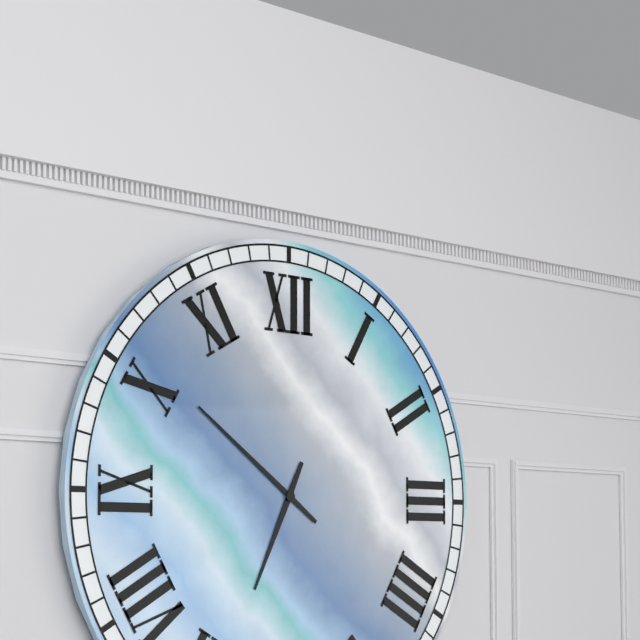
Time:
6h51
